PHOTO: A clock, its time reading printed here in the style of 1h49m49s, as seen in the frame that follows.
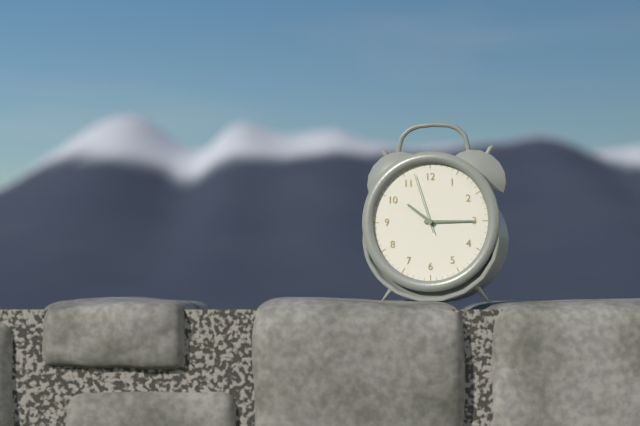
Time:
10h15m57s
